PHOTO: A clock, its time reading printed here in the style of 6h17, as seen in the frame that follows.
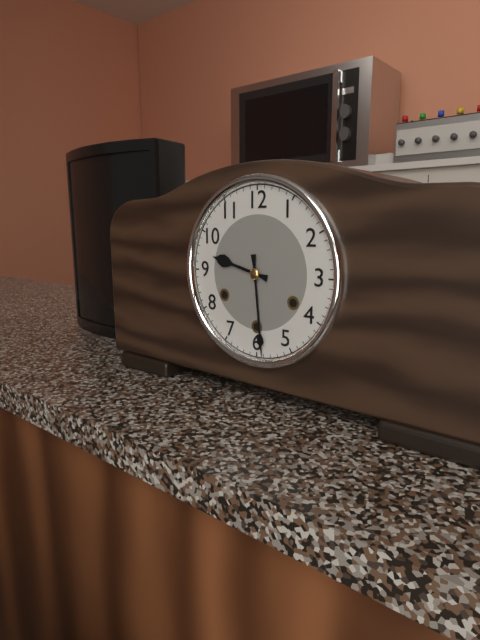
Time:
9h29
